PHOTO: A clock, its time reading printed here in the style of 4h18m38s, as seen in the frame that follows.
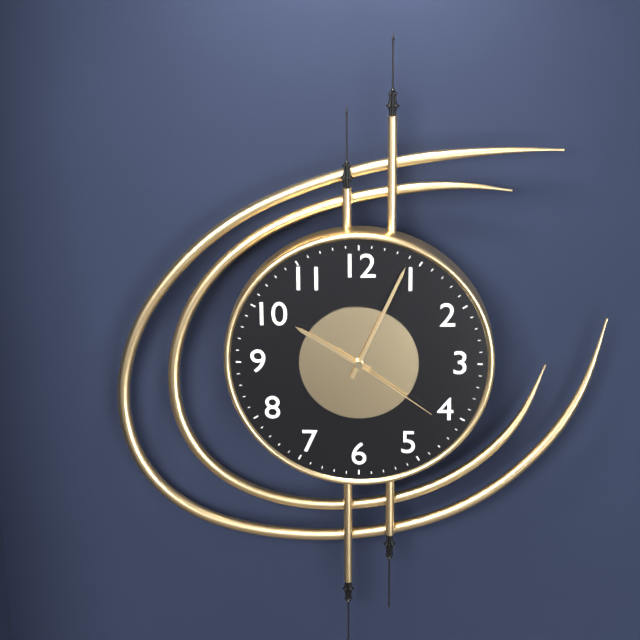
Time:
10h04m21s
